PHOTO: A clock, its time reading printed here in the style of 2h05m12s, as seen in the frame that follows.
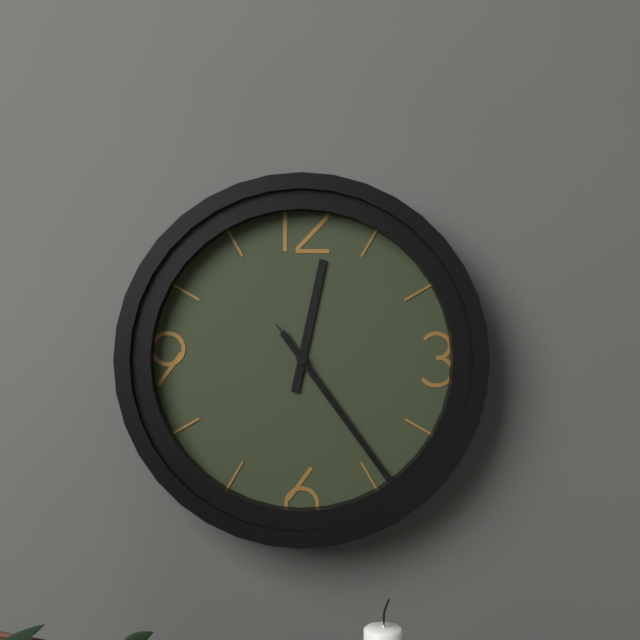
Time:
12h24m24s
